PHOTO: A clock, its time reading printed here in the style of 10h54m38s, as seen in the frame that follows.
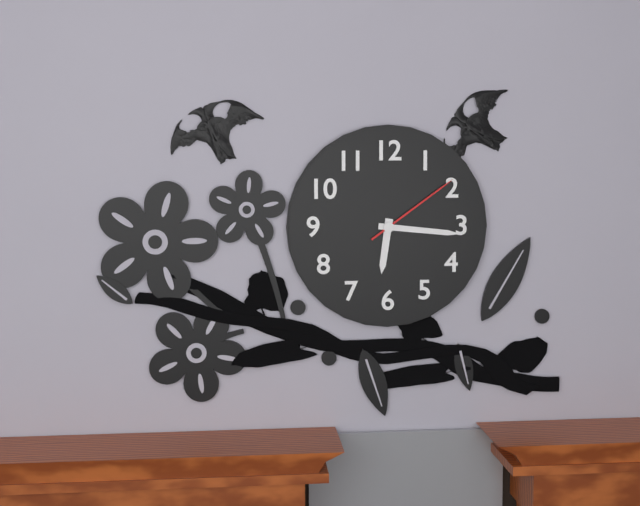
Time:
6h16m09s
